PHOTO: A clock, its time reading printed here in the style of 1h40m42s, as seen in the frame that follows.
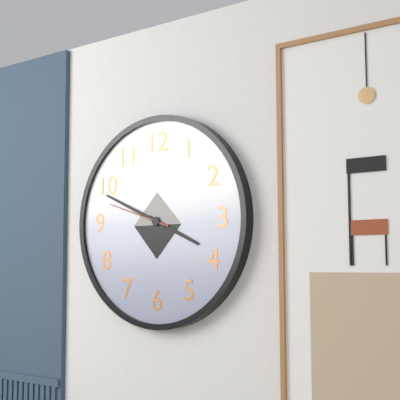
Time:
3h49m48s
